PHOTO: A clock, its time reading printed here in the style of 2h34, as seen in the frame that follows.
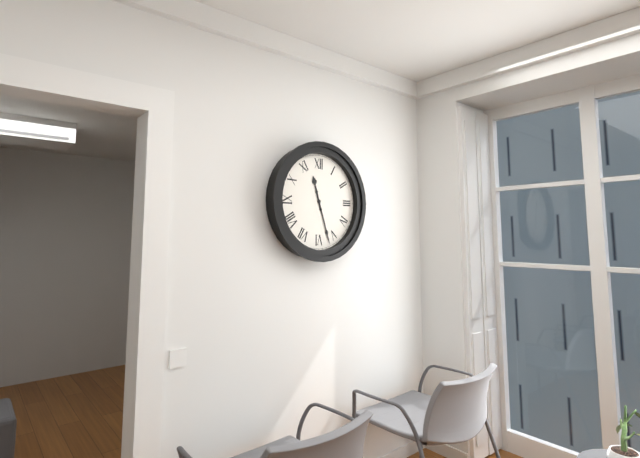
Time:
11h27
